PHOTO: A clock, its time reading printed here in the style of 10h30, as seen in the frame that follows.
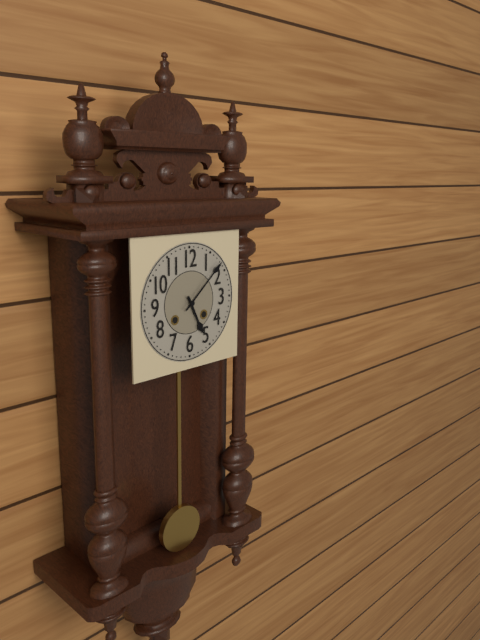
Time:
5h08
